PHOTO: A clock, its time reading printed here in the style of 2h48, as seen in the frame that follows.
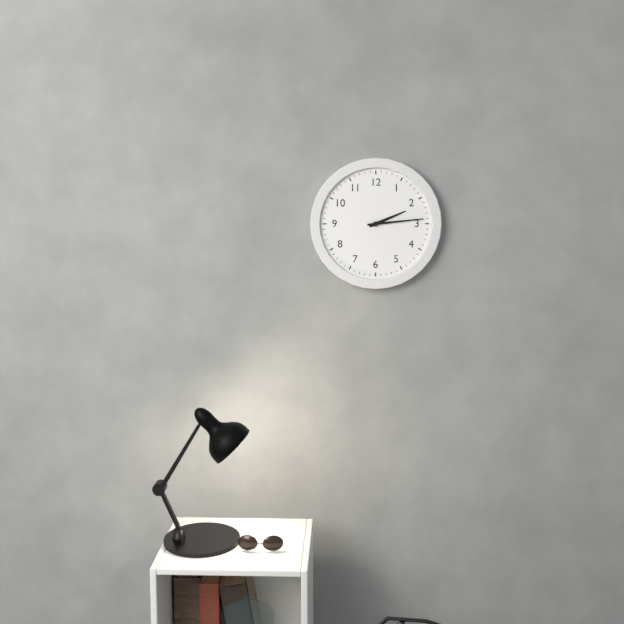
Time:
2h14
